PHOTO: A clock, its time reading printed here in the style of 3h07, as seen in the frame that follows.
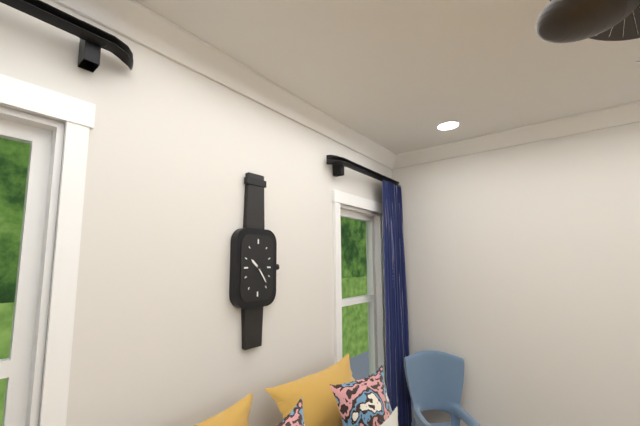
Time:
10h24
